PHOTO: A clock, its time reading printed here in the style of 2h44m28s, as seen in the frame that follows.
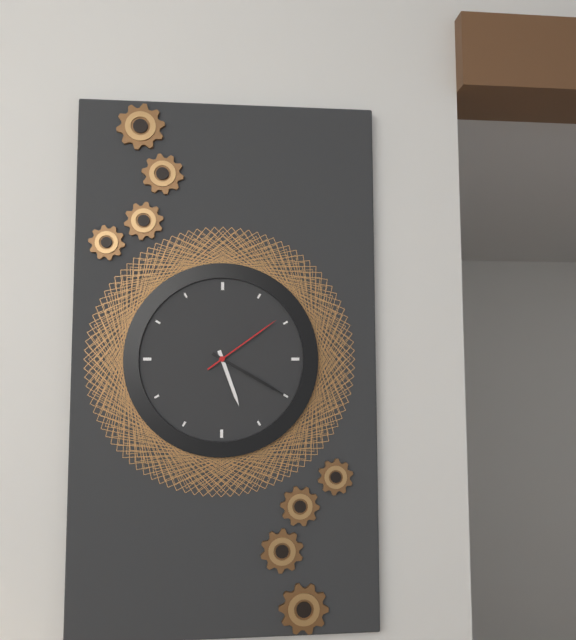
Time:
5h20m09s
